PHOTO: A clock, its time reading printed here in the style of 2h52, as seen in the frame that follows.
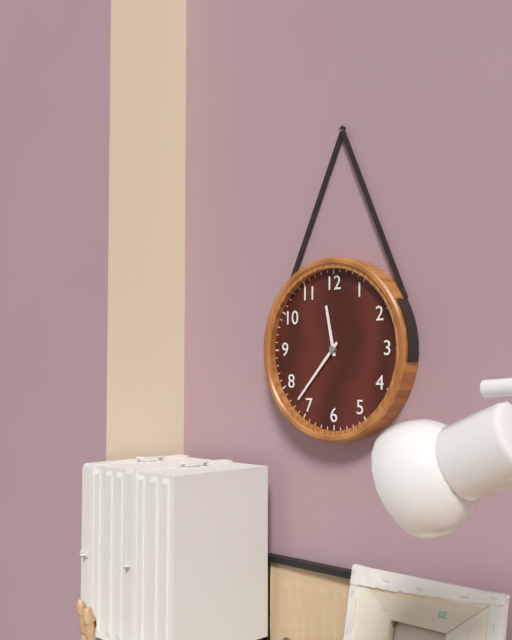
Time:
11h37
